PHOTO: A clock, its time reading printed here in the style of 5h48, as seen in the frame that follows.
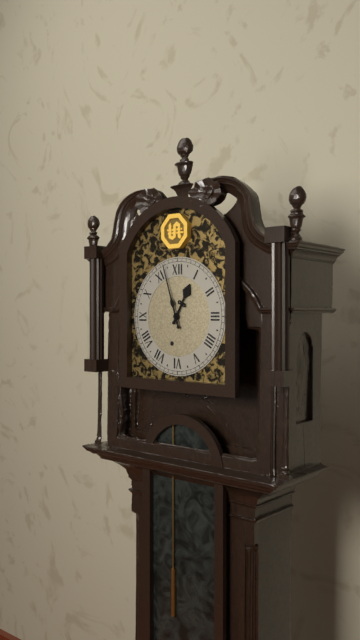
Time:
12h57
